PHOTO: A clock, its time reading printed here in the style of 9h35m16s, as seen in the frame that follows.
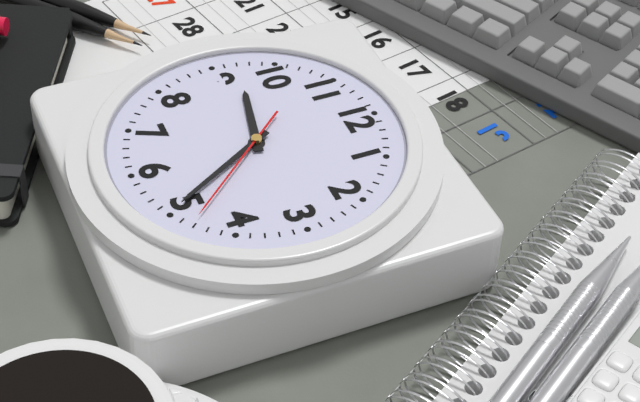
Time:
9h25m23s
